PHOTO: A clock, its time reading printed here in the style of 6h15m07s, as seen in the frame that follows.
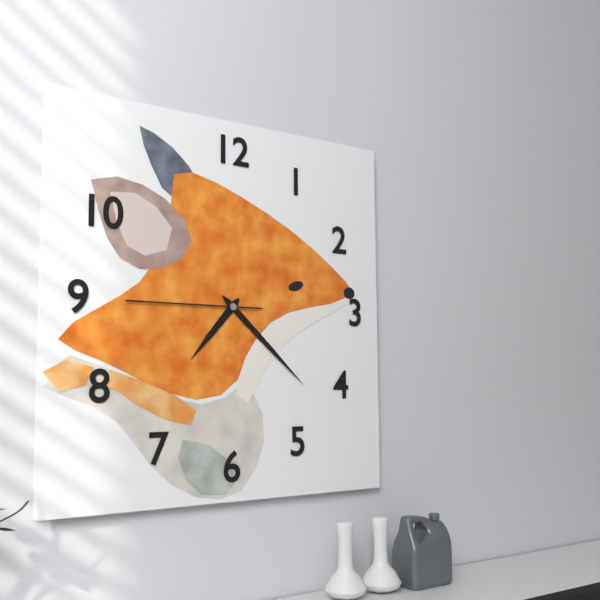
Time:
7h22m45s
